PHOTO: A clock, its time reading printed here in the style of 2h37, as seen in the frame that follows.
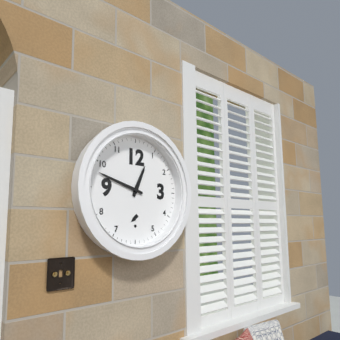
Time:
12h48
